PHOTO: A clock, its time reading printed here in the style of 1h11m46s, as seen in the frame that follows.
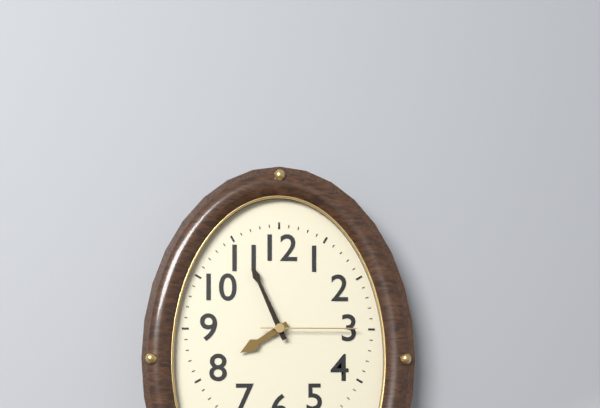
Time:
7h56m15s
